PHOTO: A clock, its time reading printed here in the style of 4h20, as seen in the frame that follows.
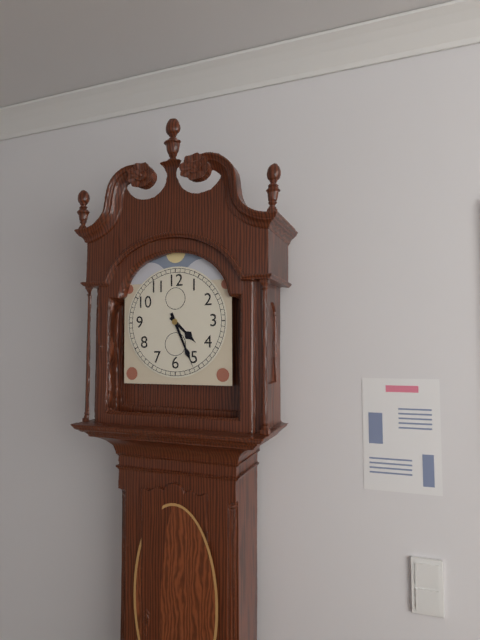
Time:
4h26
